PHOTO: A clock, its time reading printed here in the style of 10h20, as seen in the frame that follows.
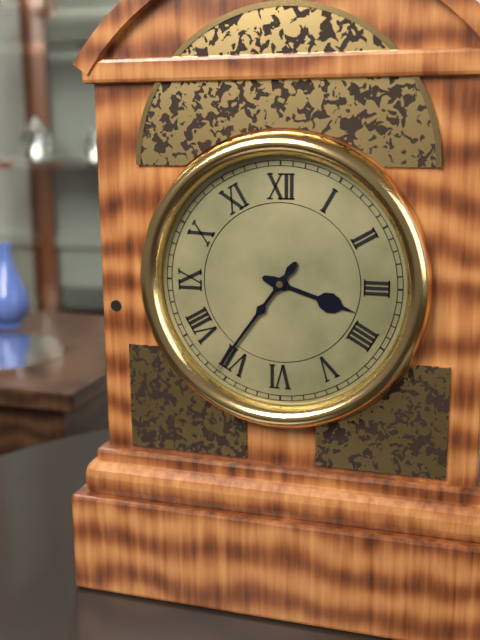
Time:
3h36
